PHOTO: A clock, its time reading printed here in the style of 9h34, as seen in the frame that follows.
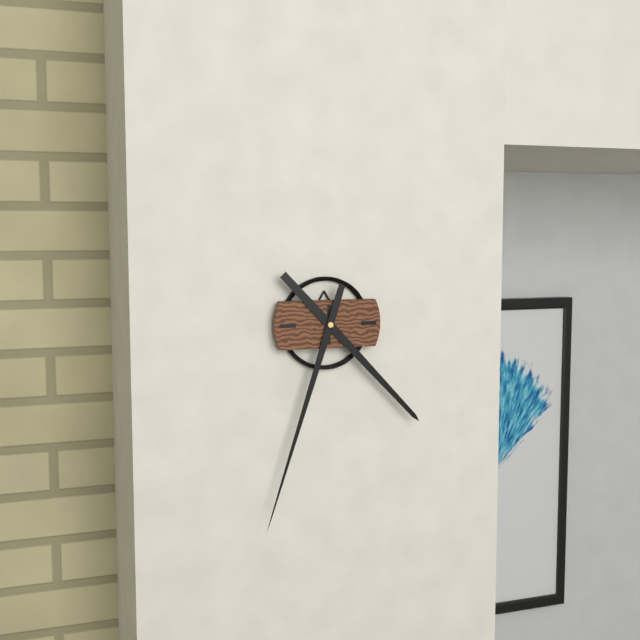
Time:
4h33
